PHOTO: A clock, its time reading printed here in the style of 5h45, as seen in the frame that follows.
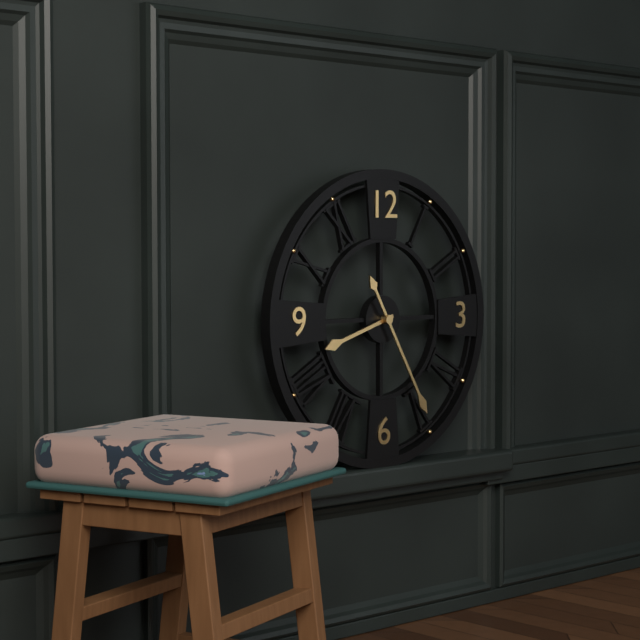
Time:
8h25
